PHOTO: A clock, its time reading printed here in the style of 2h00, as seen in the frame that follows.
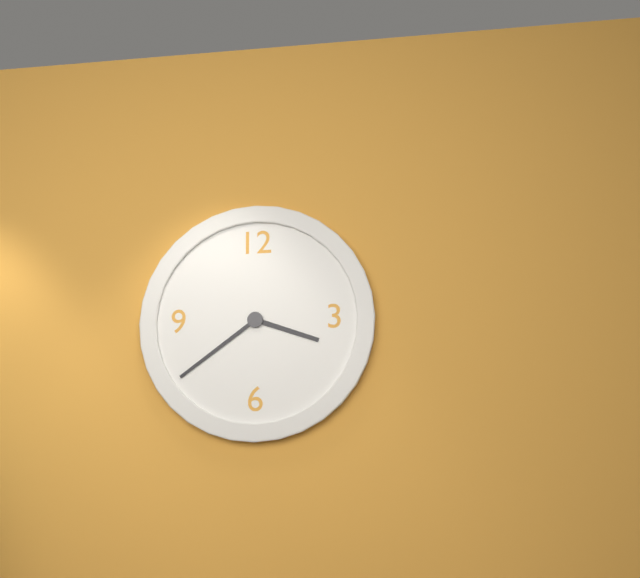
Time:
3h39
